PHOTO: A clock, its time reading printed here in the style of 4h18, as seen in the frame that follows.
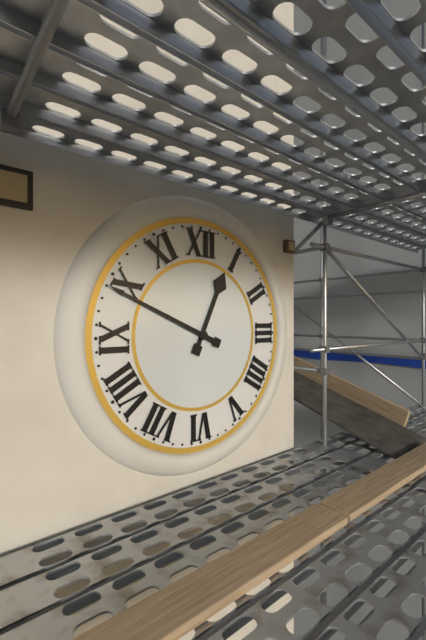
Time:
12h49
